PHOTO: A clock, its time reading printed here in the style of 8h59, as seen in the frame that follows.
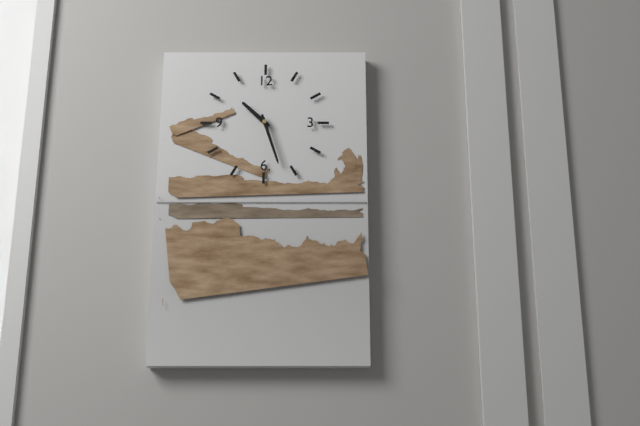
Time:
10h27
